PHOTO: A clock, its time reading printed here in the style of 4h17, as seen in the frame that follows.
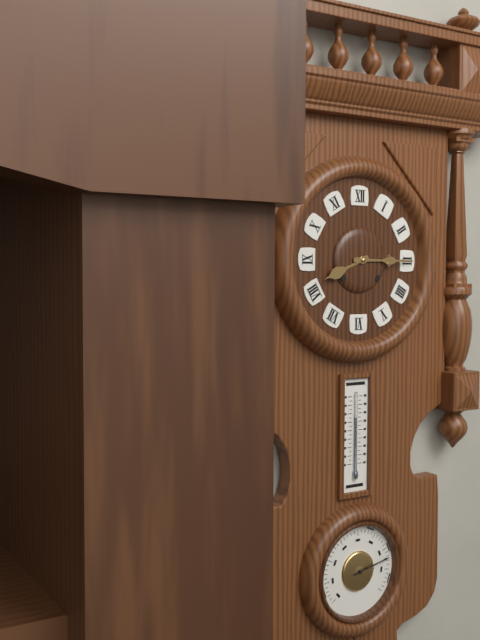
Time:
8h15
